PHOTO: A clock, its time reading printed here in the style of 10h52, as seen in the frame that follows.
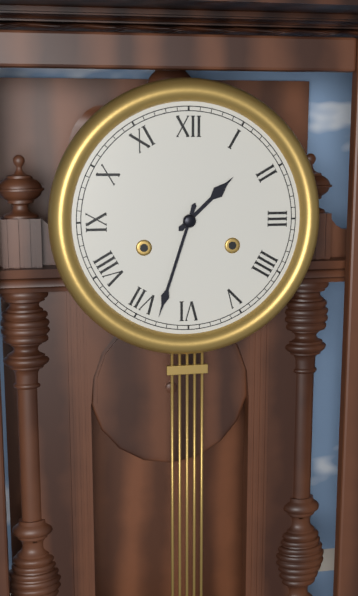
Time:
1h33
